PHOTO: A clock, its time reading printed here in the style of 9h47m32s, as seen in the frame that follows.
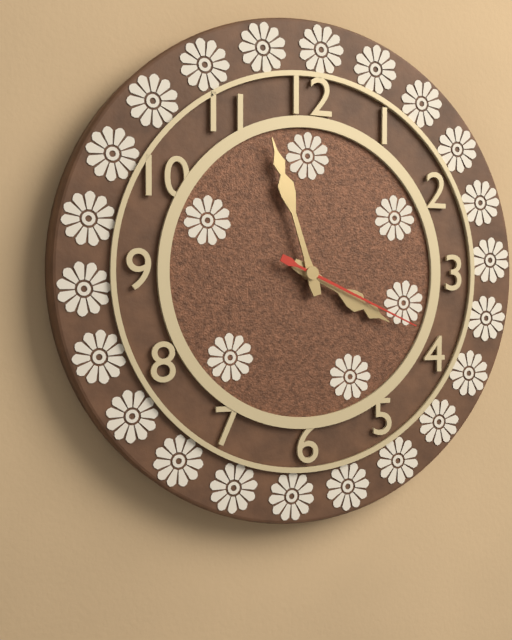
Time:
3h57m19s
